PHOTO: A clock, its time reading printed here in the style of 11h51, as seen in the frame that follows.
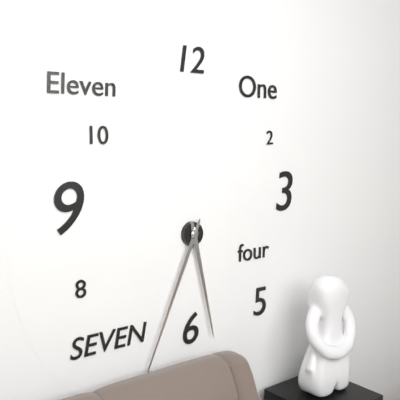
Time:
5h34
